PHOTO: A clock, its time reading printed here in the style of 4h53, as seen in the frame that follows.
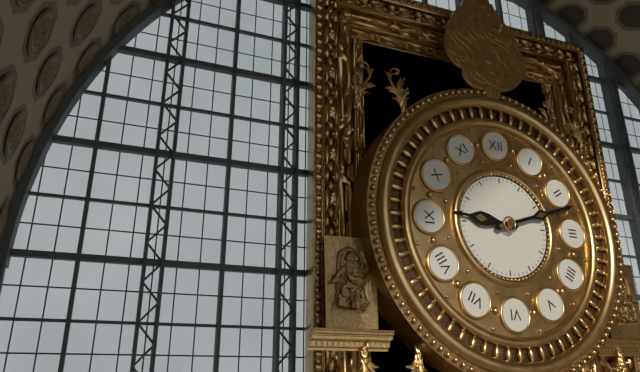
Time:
9h12
